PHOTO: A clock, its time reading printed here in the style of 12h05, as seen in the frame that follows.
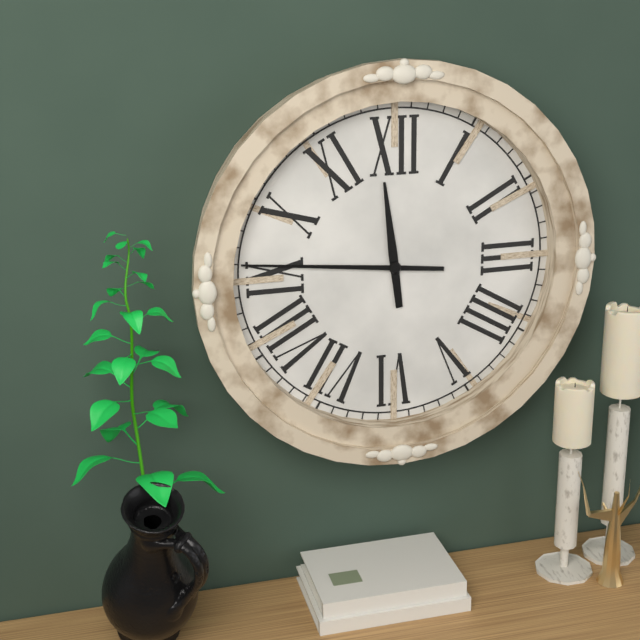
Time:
11h46
